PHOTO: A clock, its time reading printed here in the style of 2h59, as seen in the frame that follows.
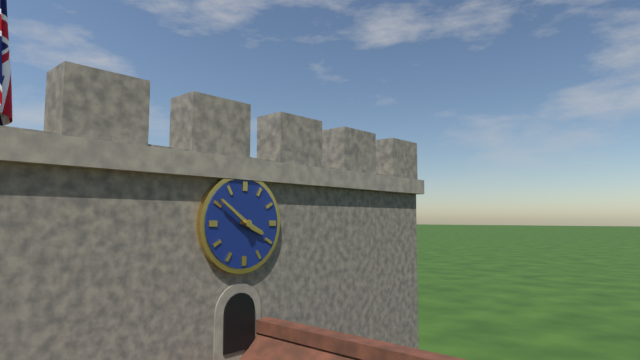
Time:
3h51
